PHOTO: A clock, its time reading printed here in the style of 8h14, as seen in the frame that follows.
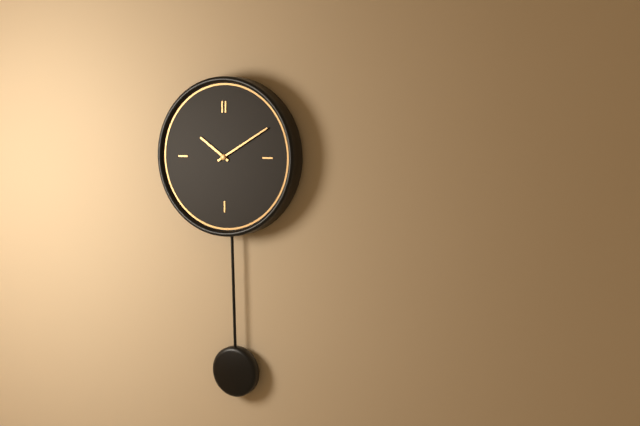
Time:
10h10
